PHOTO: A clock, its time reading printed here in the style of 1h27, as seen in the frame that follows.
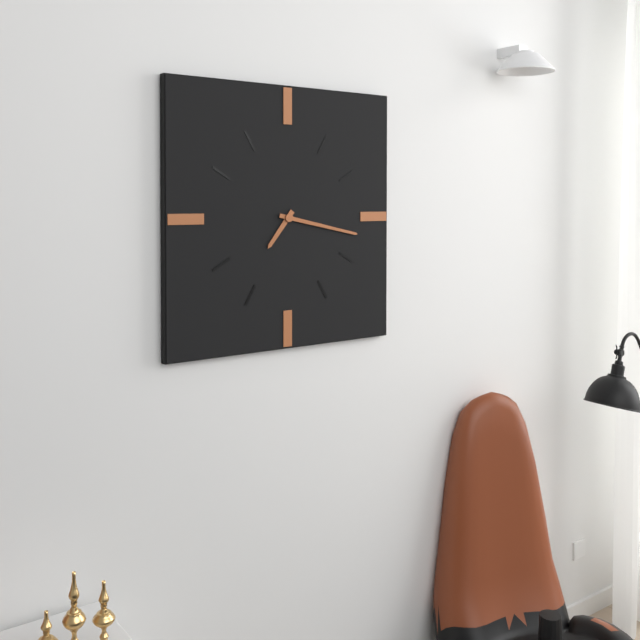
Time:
7h17
